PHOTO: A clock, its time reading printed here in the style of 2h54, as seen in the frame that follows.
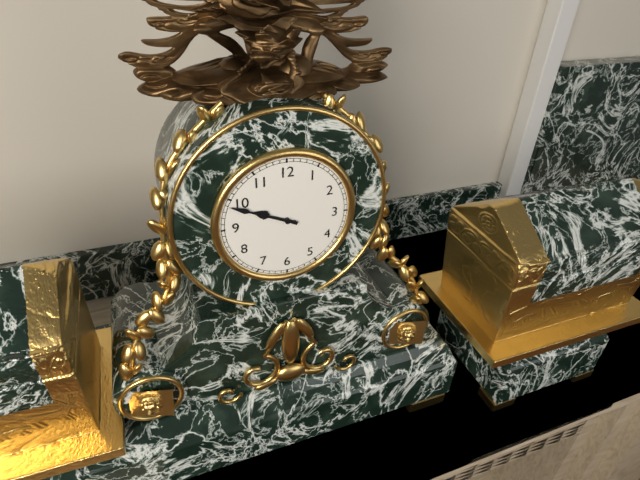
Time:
9h49
